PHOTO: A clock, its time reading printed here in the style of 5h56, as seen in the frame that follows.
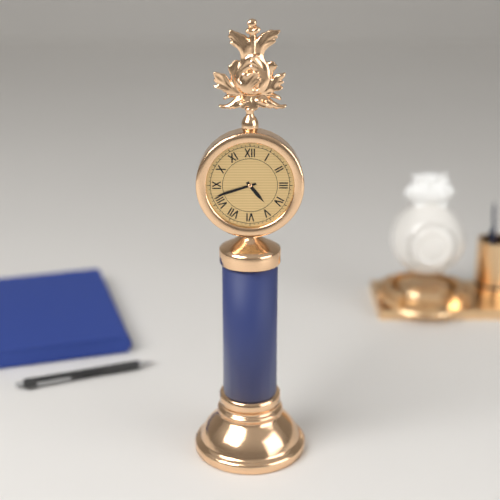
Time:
4h42
